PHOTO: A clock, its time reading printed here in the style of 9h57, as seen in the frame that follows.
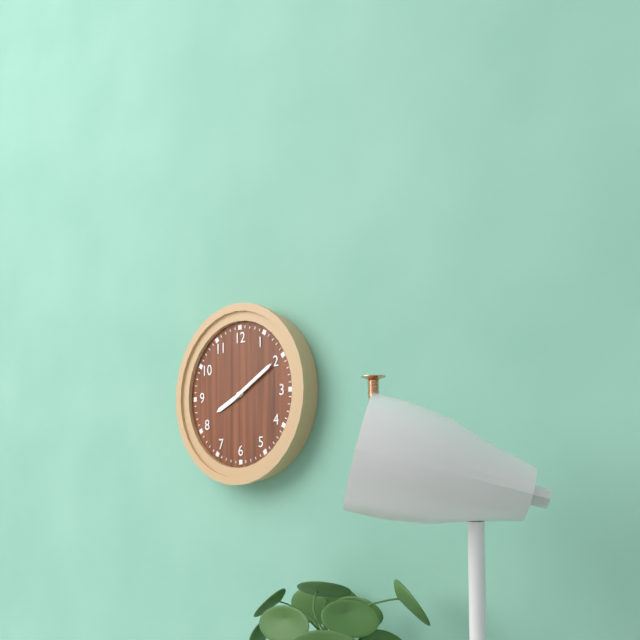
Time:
8h10
